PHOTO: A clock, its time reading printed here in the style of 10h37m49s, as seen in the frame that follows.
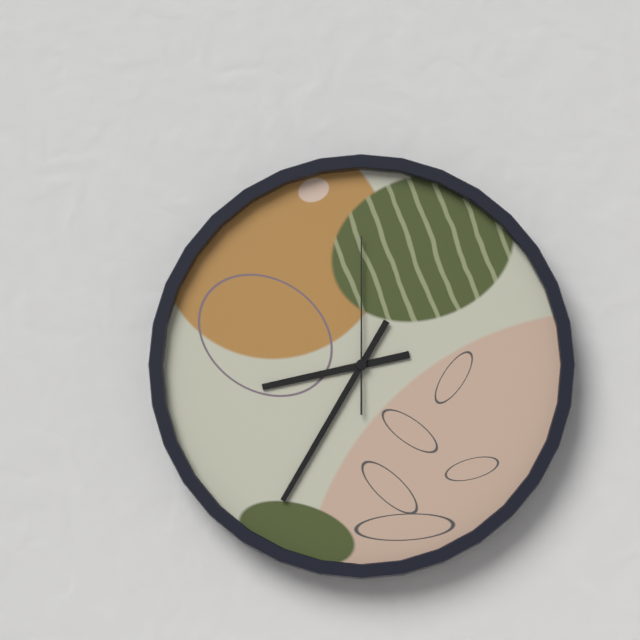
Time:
8h35m00s
